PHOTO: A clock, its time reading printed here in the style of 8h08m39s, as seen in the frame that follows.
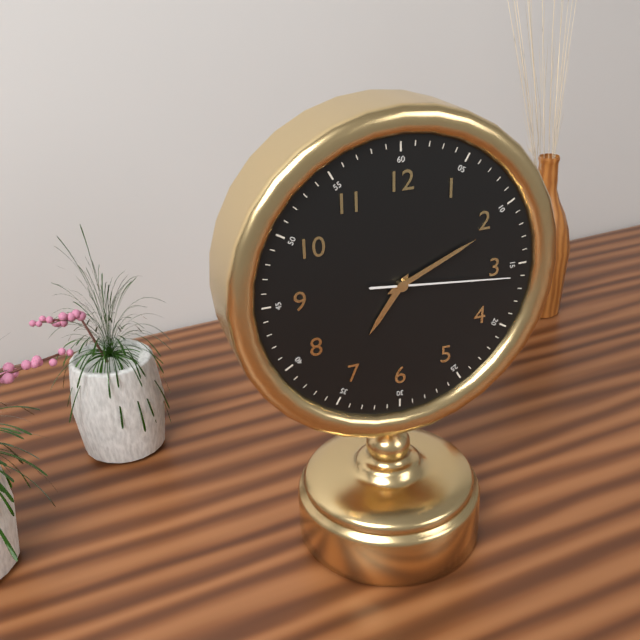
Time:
7h11m16s
